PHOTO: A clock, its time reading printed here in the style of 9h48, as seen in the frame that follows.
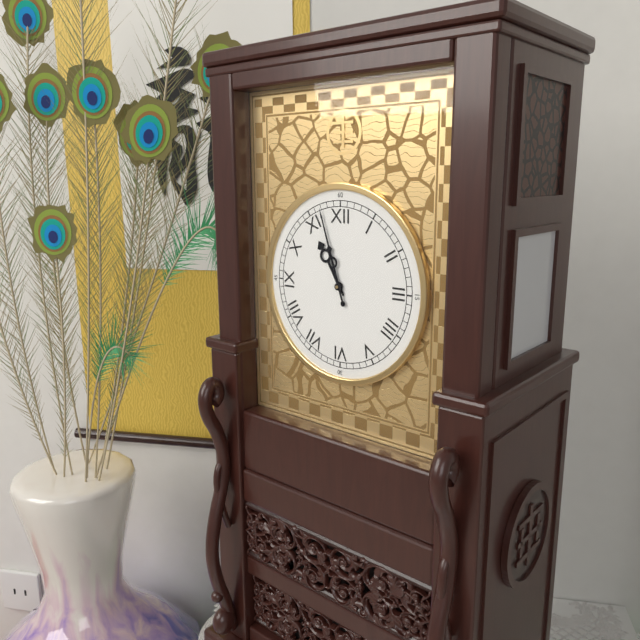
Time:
10h57
